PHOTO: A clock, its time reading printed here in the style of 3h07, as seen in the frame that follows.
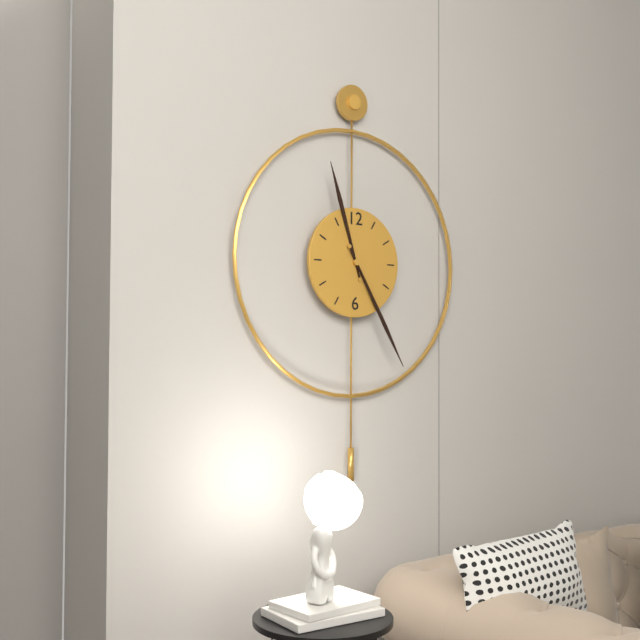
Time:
11h25
